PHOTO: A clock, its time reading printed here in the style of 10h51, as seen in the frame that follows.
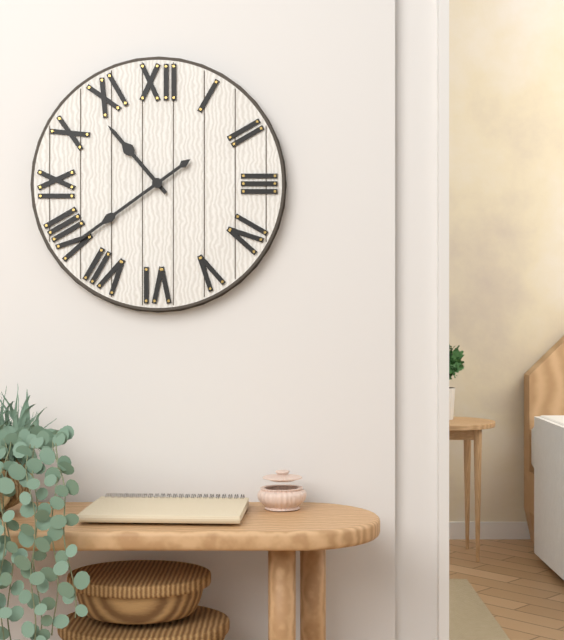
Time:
10h39
